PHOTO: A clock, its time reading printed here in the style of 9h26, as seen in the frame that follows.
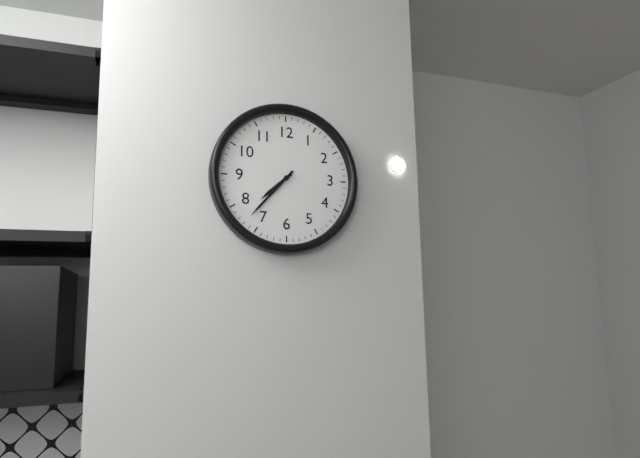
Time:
7h37
